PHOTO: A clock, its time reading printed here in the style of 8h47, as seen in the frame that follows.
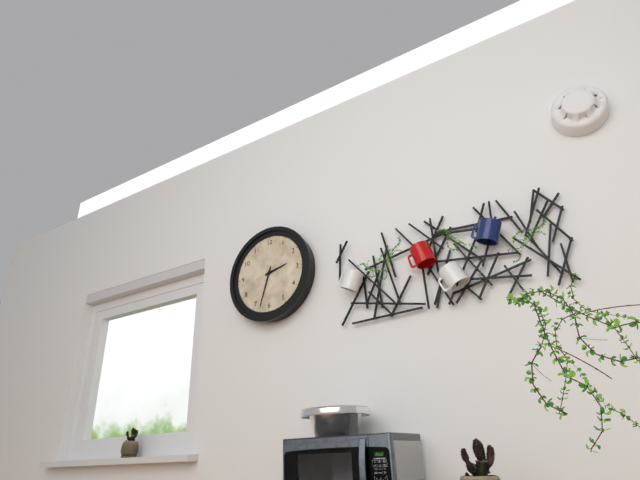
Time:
2h33
